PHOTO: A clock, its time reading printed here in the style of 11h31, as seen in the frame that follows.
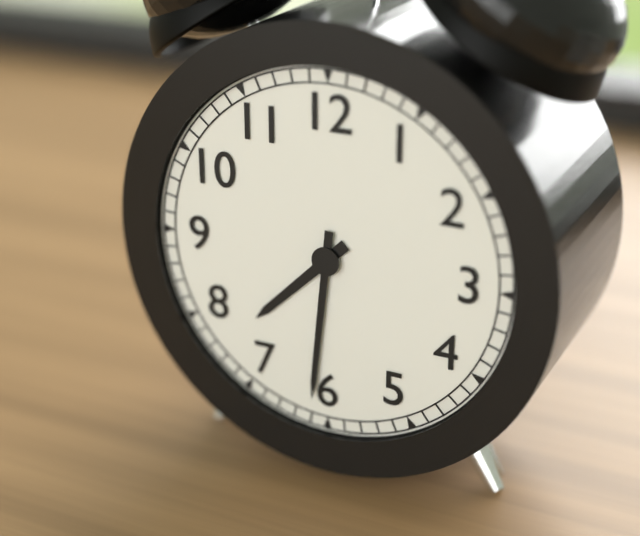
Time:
7h31
